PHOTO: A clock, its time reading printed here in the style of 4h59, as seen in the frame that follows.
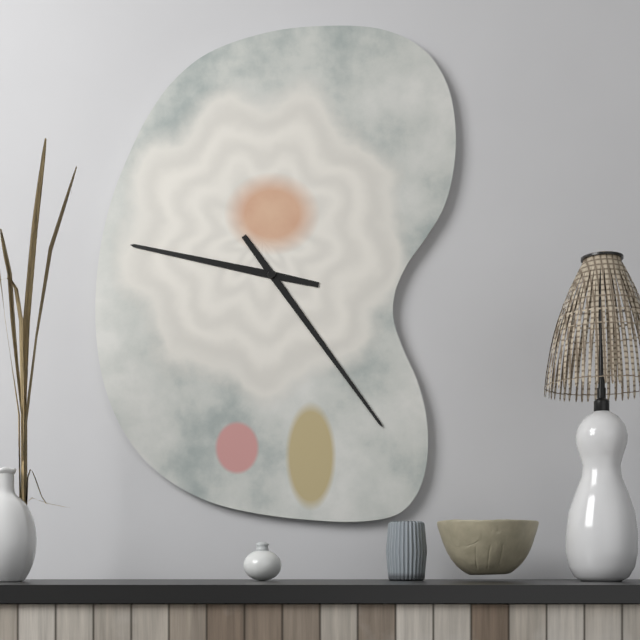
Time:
9h24
